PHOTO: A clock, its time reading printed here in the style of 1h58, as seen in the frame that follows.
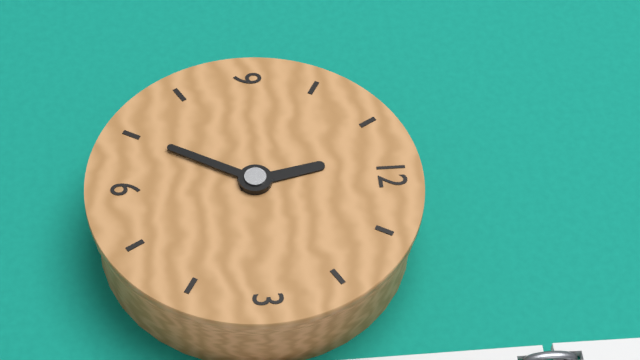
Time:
11h35
